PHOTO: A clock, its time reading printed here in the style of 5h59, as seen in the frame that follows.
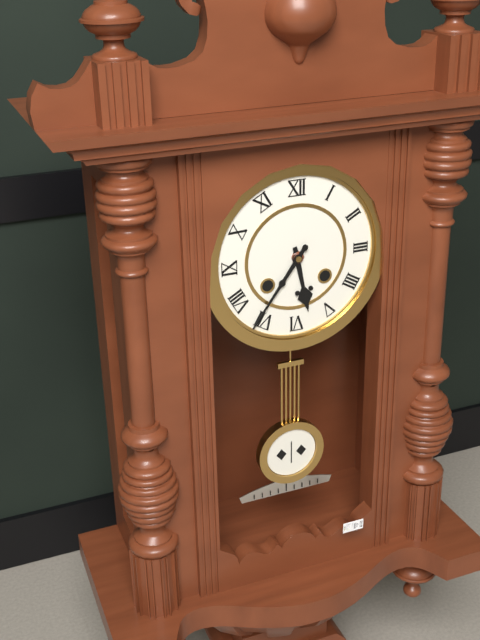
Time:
5h36
